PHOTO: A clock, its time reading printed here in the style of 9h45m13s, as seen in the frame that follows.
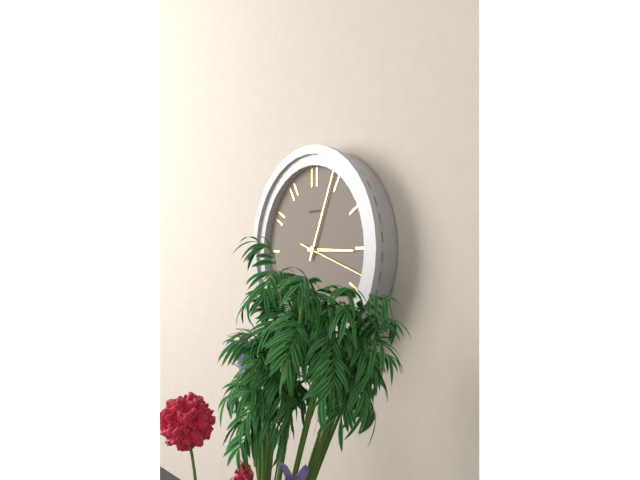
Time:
3h04m18s
